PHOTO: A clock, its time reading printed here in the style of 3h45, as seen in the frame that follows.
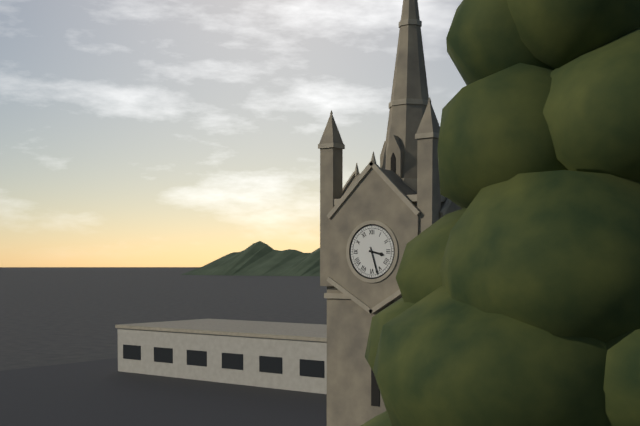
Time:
3h27
